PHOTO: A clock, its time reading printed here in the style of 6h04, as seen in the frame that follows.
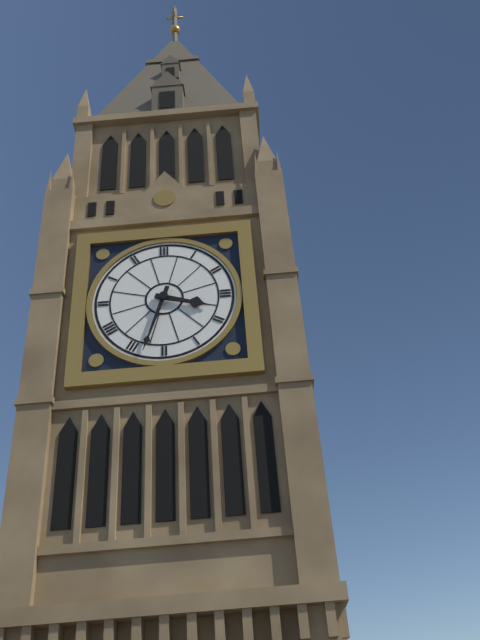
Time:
3h33
